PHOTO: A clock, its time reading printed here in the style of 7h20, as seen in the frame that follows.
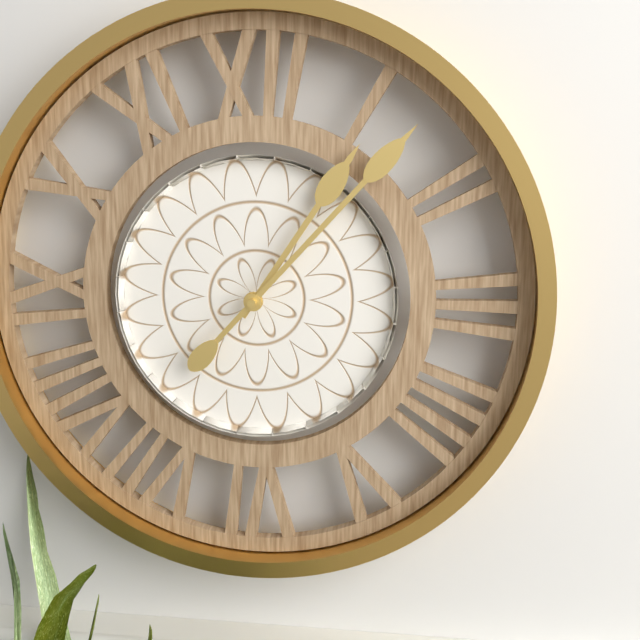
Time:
1h07
